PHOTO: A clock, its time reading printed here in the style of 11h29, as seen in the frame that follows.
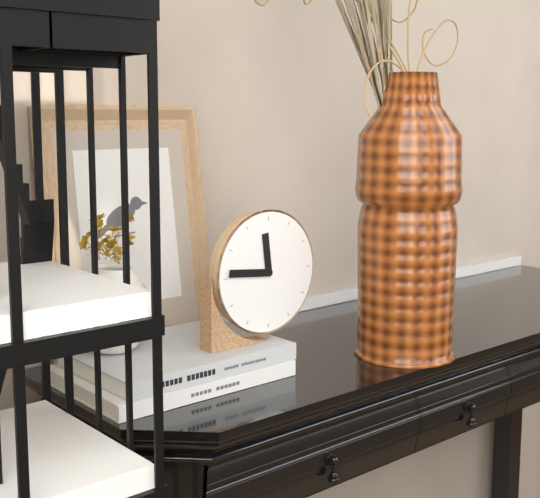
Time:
11h46
